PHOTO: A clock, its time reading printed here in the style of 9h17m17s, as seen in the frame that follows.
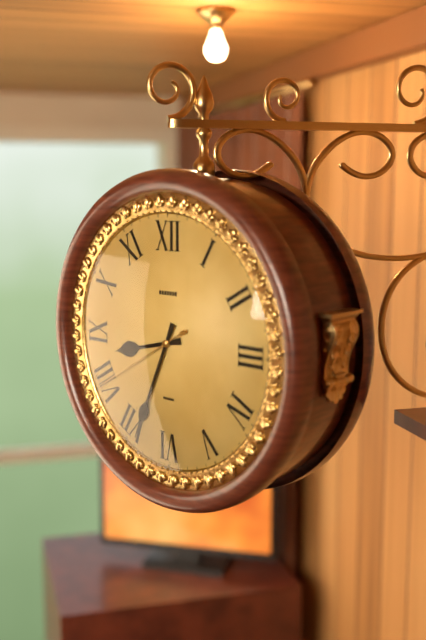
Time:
8h34m40s
